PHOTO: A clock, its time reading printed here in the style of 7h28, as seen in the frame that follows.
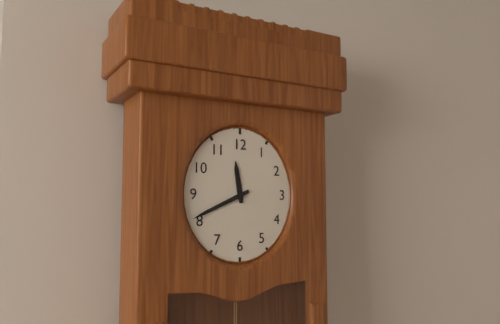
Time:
11h41
